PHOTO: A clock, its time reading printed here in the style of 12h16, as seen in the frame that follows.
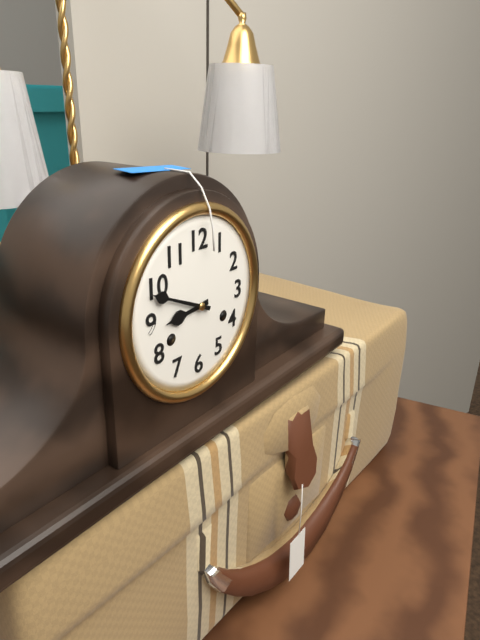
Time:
8h49
